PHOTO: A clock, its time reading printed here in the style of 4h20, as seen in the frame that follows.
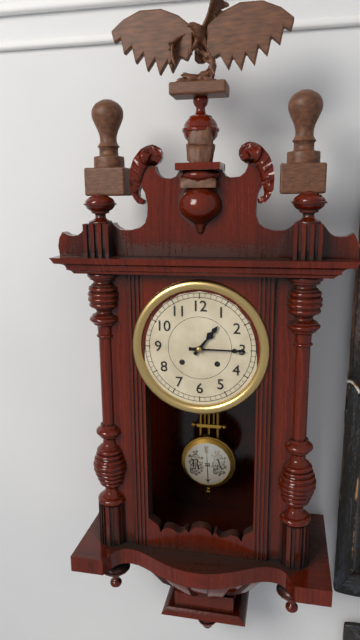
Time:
1h15
